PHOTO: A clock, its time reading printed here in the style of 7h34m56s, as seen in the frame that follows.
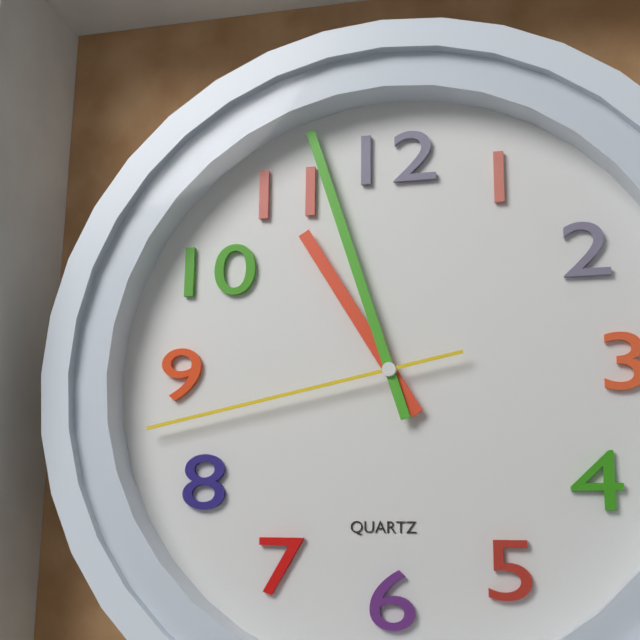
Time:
10h57m43s
